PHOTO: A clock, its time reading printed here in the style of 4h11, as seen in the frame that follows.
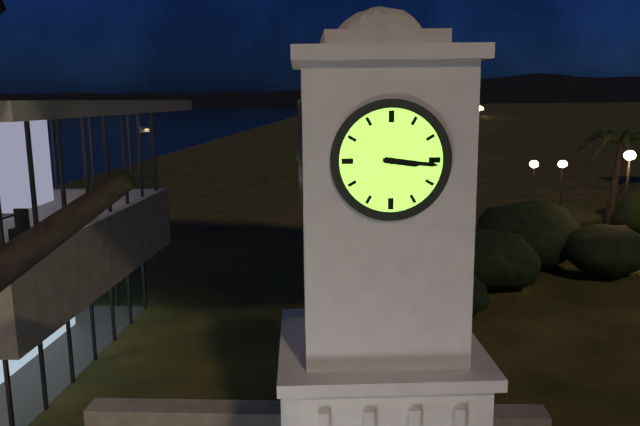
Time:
3h16
